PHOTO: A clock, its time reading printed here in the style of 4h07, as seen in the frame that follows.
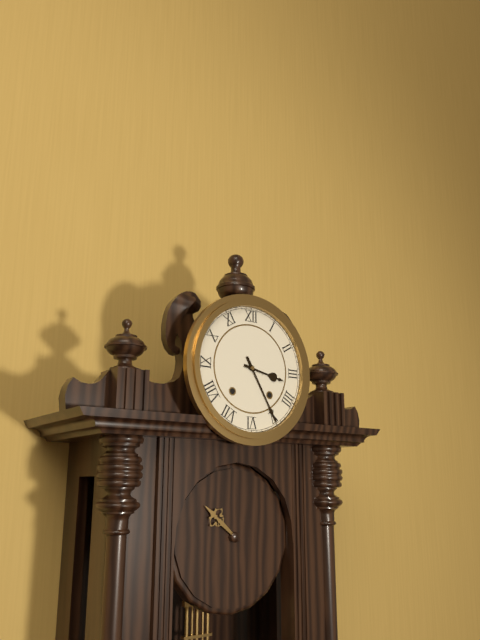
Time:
3h25
